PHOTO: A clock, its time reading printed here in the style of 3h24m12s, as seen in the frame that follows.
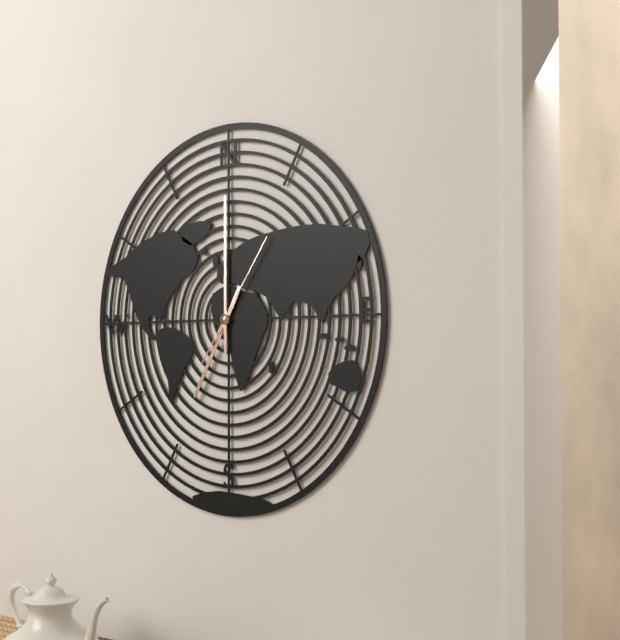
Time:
7h00m06s
